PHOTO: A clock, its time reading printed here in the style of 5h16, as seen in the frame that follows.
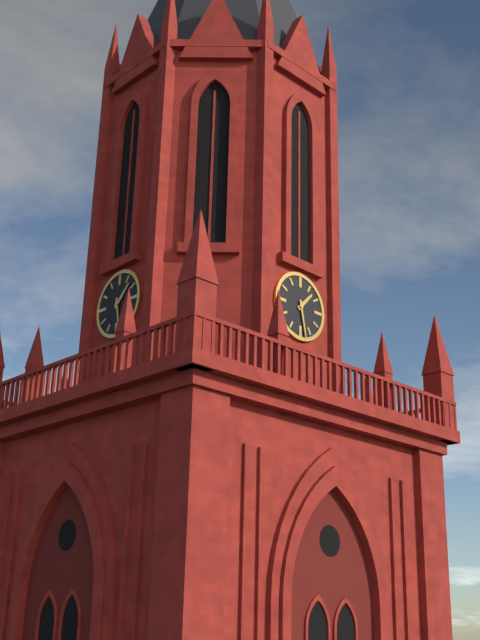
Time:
1h28
